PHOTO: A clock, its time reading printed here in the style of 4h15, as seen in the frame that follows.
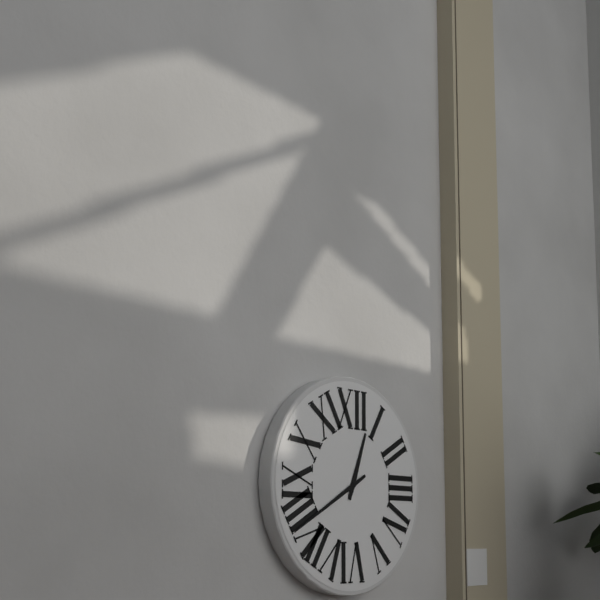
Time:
12h40
